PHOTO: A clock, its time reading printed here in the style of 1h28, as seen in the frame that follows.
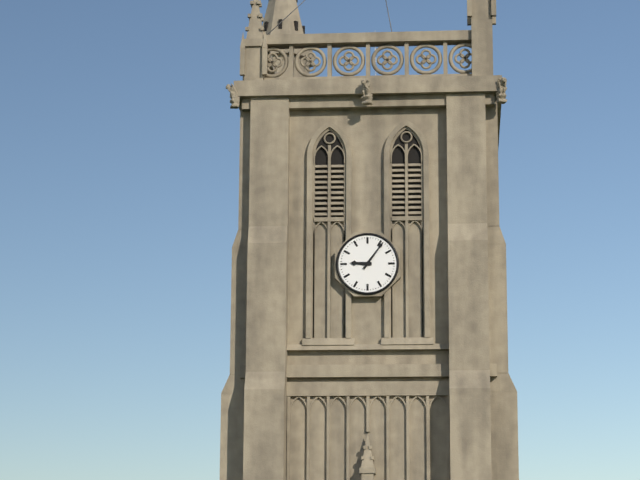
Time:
9h06
